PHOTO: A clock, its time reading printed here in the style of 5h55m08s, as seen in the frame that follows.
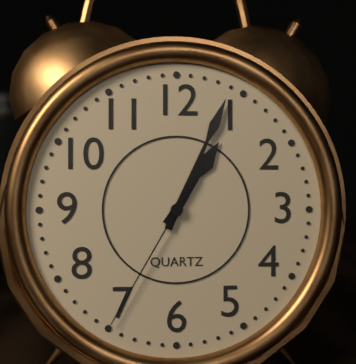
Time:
1h04m35s
